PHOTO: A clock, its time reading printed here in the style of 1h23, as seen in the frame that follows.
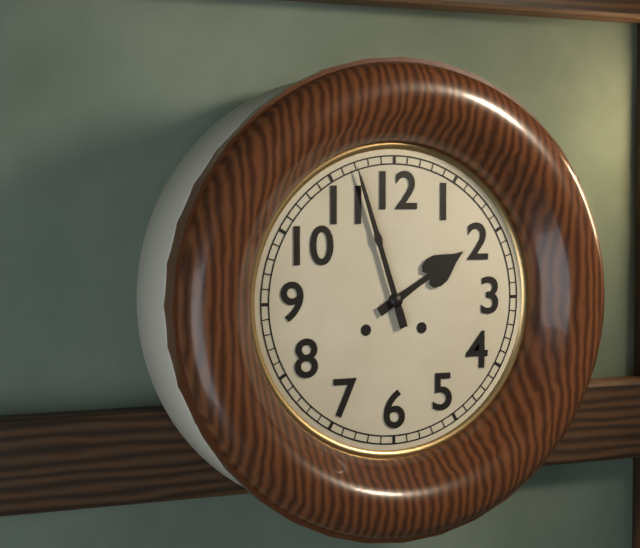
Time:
1h57
